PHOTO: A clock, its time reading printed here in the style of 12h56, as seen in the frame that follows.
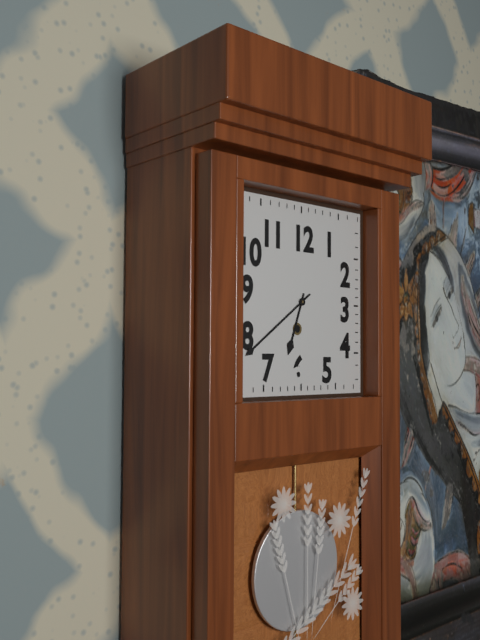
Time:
6h39
